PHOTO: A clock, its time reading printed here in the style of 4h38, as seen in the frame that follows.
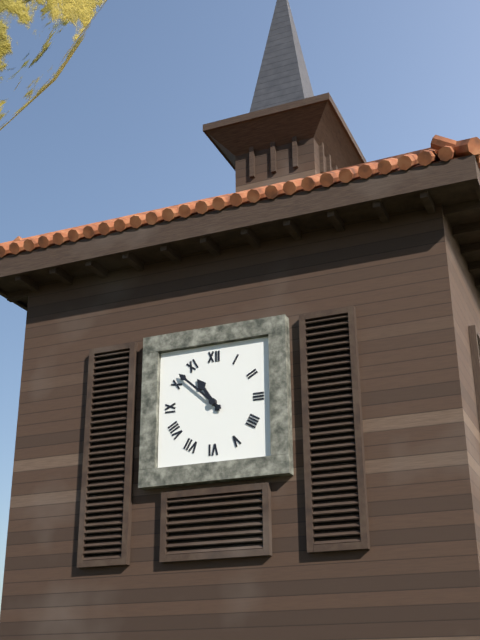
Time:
10h52
